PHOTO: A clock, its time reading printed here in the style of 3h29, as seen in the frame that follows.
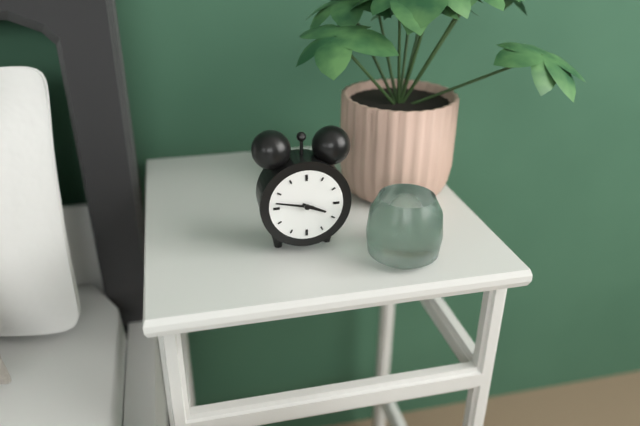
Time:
3h47
